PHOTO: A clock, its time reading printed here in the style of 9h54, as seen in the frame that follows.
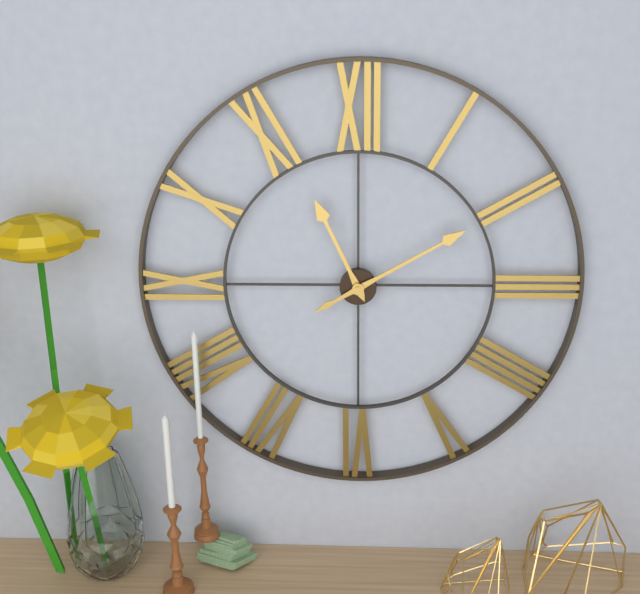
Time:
11h10
